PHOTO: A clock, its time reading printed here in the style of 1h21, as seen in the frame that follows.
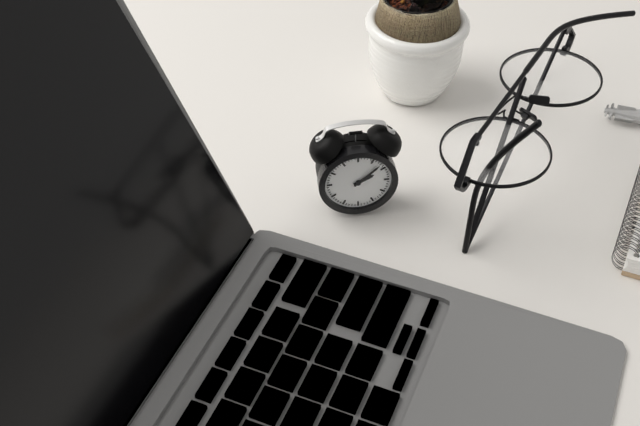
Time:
2h08
